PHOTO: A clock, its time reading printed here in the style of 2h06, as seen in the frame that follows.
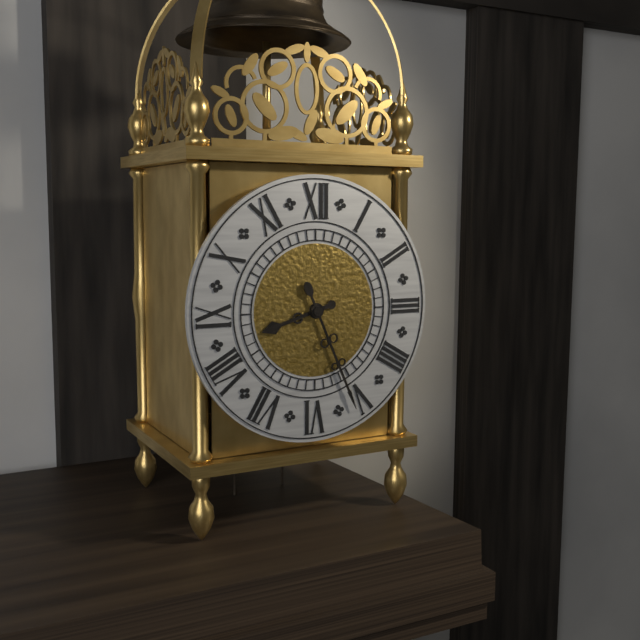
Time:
8h26
